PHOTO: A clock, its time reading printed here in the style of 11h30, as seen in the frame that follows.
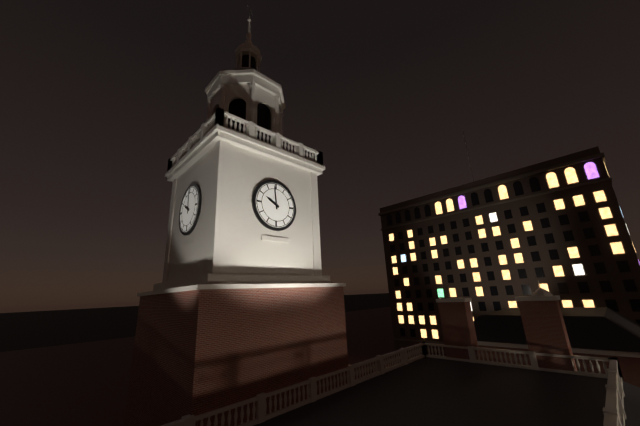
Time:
9h59
